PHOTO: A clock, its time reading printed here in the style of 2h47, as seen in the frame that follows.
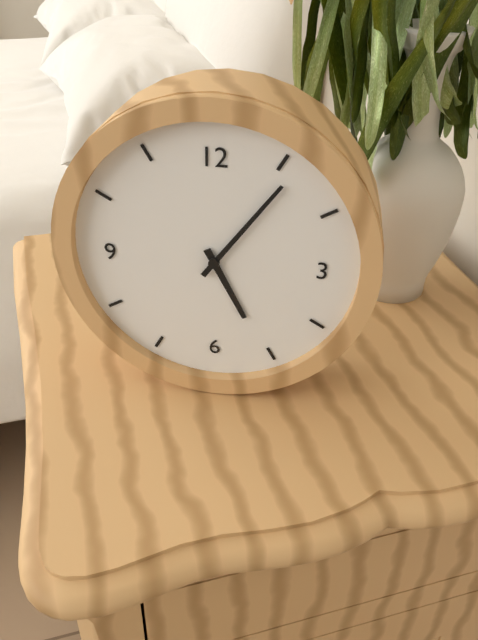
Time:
5h06
